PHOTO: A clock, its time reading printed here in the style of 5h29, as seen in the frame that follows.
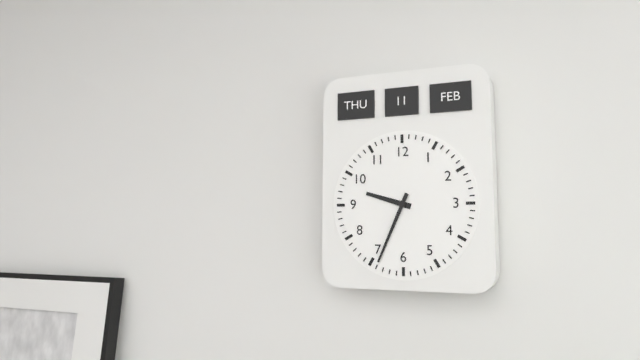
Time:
9h34
